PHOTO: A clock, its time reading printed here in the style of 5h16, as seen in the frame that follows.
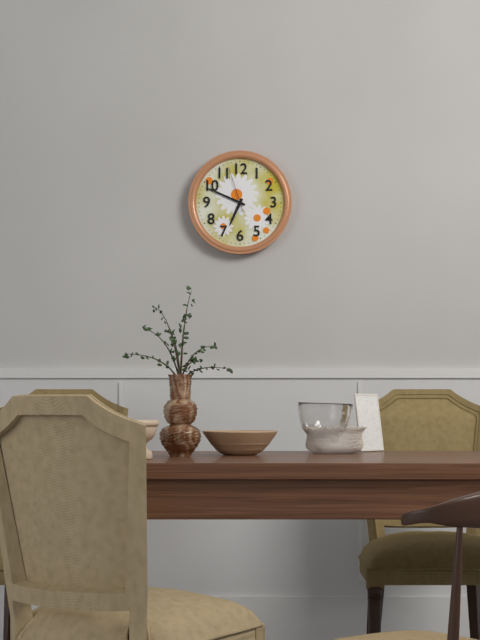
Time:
6h49
